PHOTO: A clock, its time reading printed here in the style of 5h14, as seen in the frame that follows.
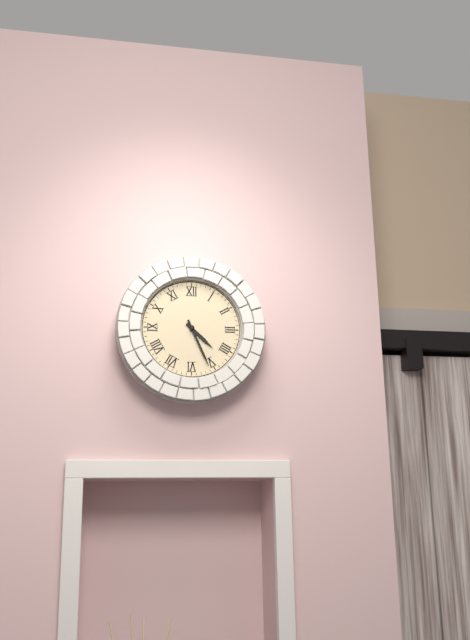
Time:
4h26
